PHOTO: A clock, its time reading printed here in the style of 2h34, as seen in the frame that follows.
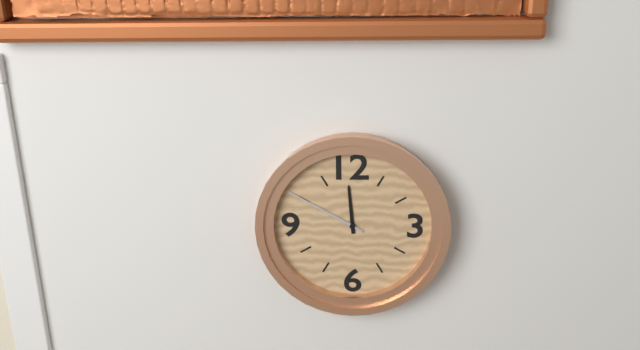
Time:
11h50
